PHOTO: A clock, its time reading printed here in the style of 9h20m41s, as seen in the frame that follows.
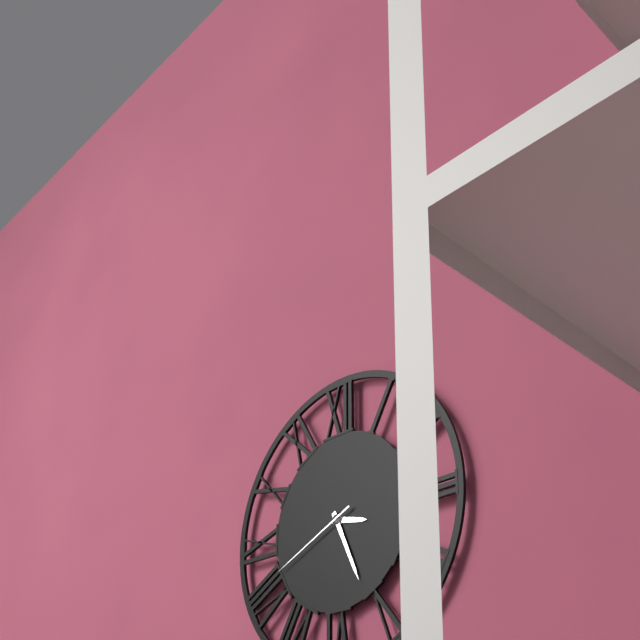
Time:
3h26m41s
